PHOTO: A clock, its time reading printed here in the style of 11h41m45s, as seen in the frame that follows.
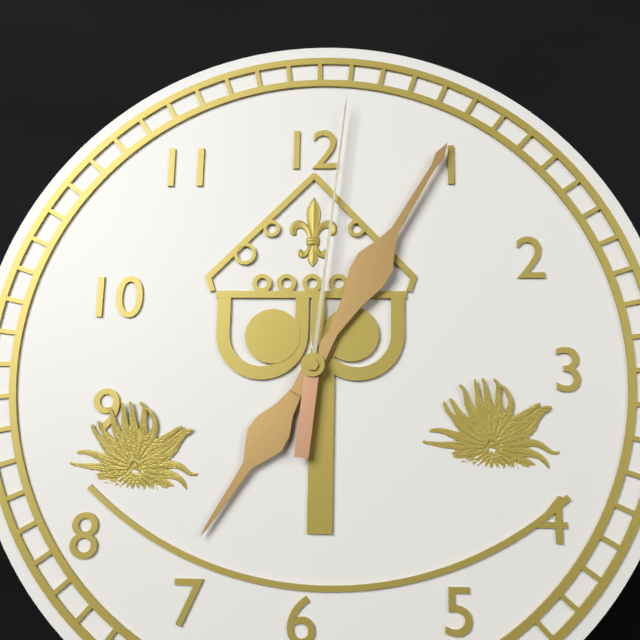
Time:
7h05m01s
